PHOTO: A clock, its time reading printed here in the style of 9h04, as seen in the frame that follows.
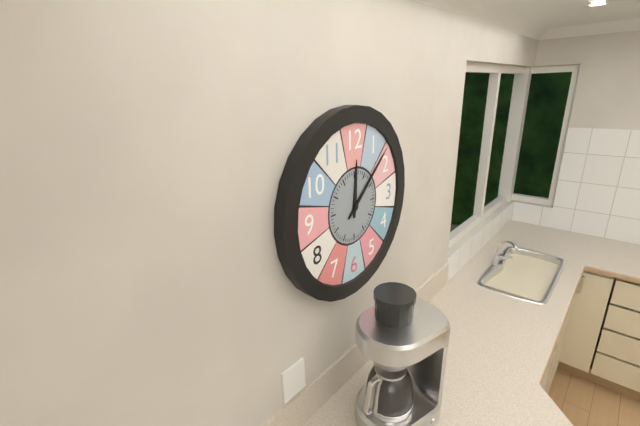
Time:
12h08
